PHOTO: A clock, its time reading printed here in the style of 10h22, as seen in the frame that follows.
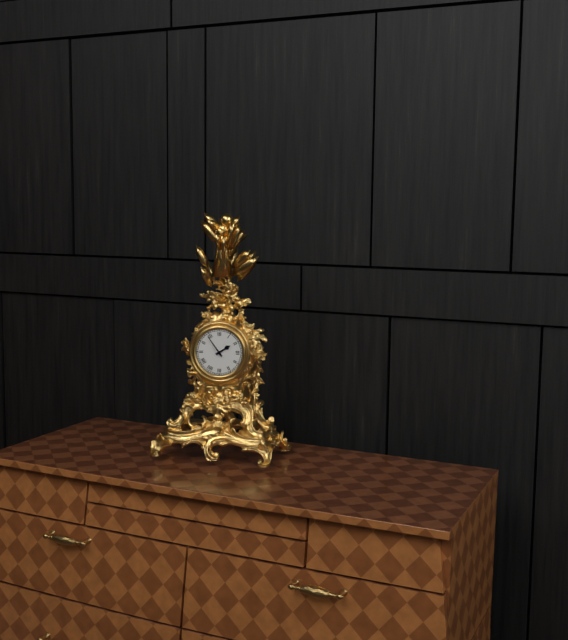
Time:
1h54
